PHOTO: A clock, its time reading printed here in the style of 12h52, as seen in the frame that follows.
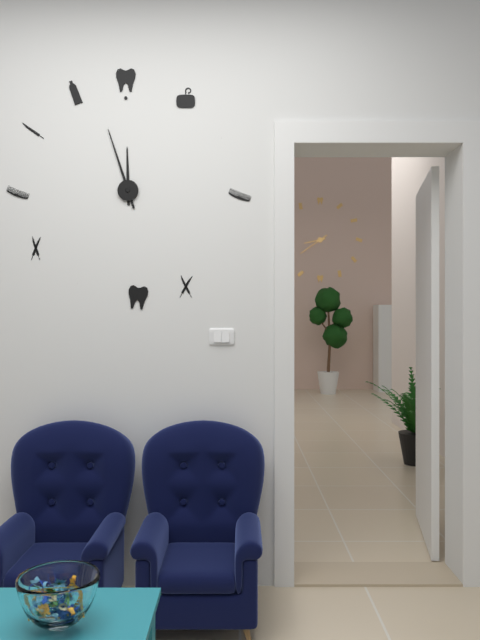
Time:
11h57
